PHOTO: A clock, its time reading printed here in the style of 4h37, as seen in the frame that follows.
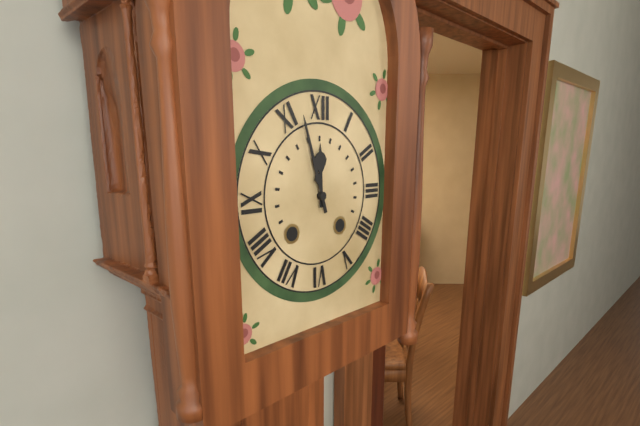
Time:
11h57
